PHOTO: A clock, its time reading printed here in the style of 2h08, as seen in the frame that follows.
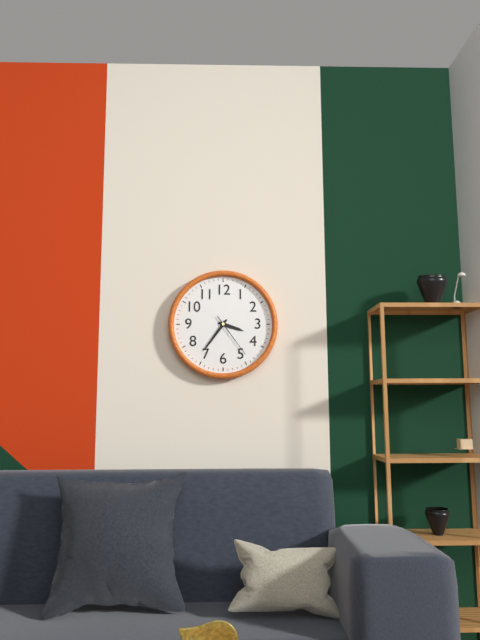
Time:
3h36
